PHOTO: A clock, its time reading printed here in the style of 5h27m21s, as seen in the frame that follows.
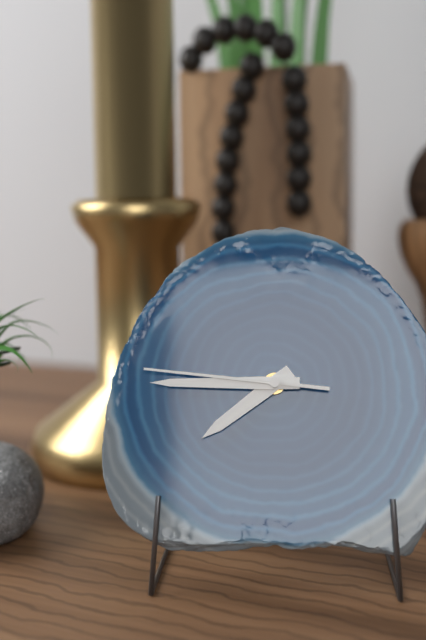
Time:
7h45m46s
